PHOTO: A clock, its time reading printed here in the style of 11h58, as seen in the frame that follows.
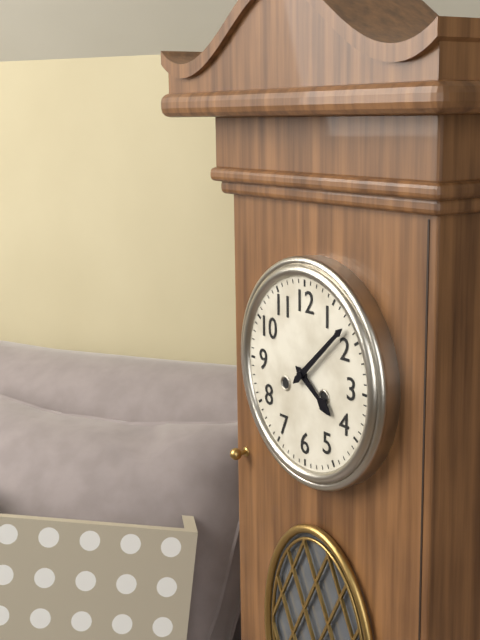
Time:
4h08
